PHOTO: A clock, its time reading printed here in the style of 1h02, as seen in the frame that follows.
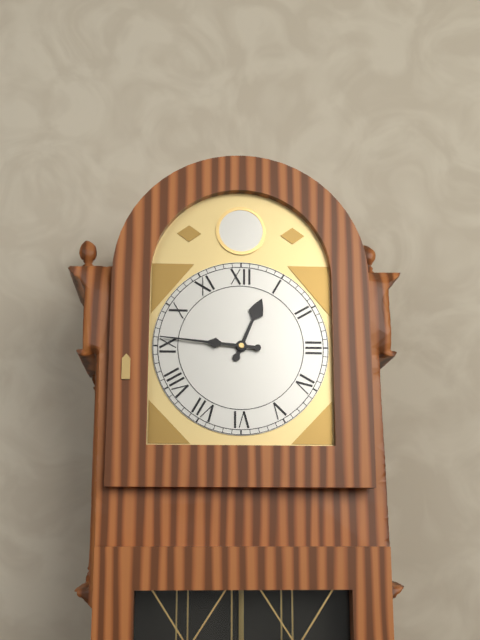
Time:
12h46
